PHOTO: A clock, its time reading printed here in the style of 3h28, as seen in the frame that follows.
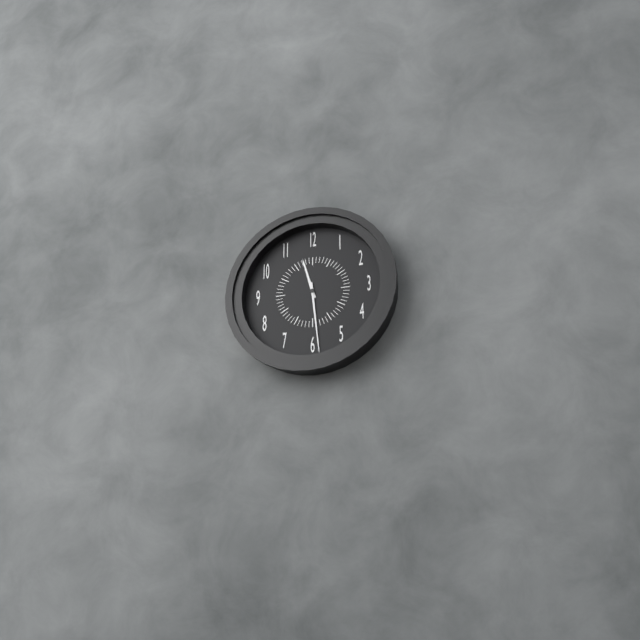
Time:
11h29
